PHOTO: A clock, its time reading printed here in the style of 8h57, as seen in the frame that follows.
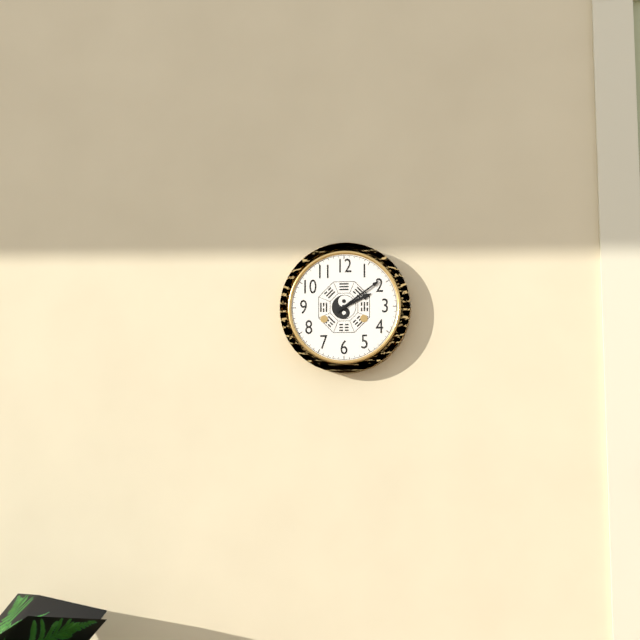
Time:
2h09
